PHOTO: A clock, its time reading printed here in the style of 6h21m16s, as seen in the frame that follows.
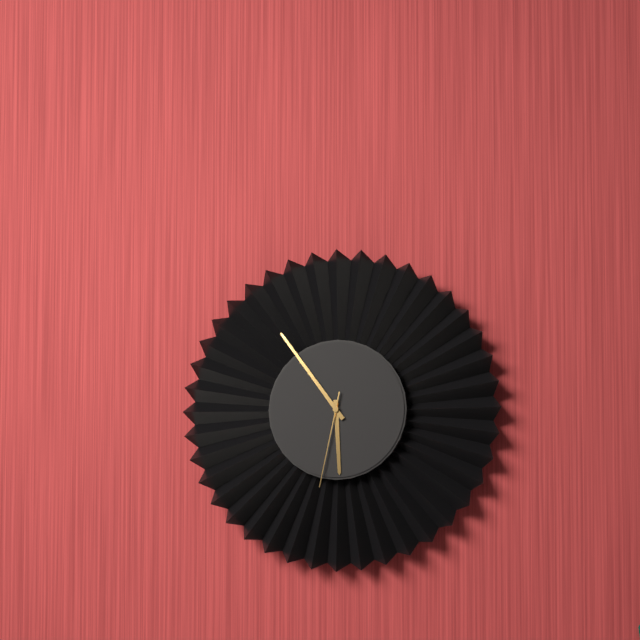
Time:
5h54m32s
